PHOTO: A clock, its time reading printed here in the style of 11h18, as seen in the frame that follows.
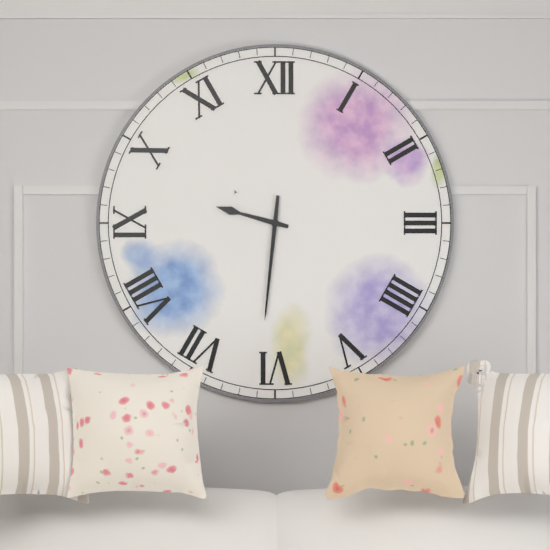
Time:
9h31
